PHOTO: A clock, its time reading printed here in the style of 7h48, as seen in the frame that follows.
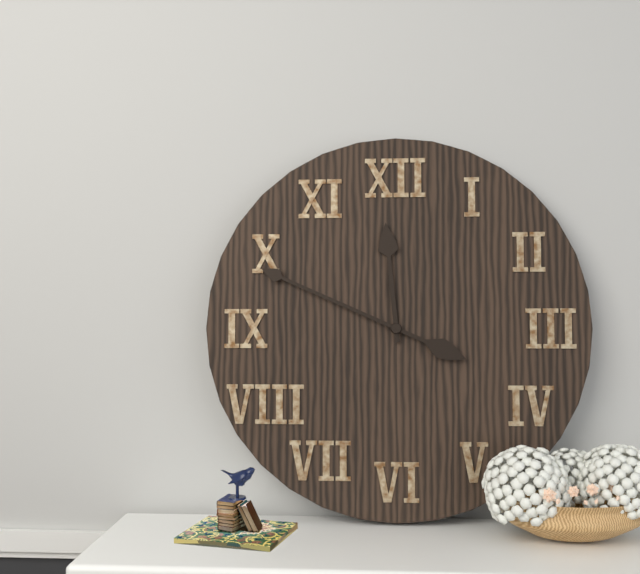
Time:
11h49
